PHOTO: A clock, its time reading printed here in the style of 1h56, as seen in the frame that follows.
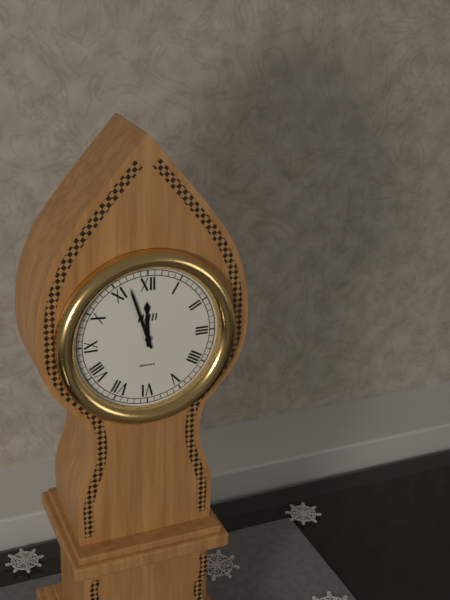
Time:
11h57
